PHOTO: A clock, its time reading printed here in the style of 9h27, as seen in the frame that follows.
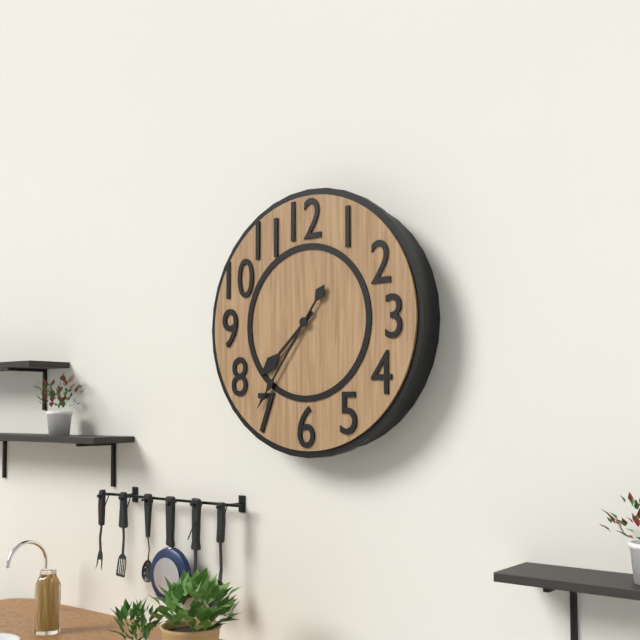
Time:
7h36
